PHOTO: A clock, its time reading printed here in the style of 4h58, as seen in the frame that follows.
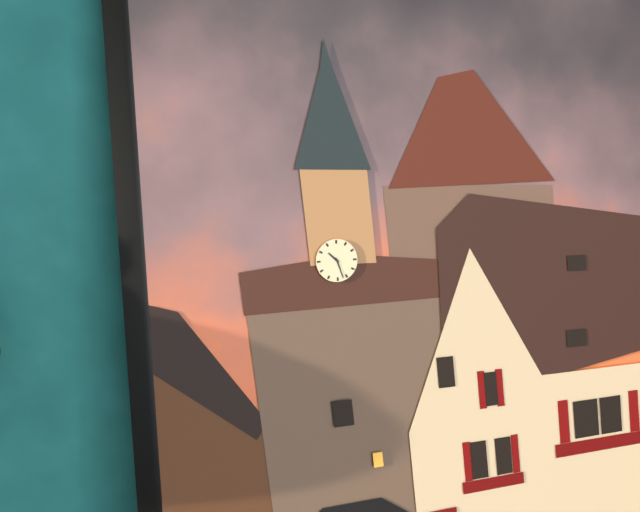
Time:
10h27
